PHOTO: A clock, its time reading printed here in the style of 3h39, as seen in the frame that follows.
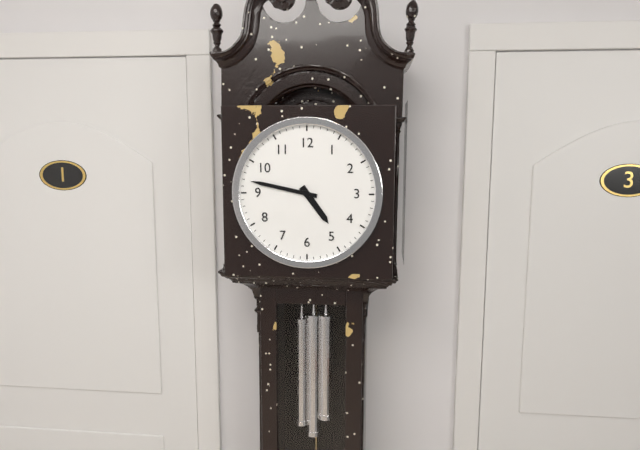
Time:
4h47
